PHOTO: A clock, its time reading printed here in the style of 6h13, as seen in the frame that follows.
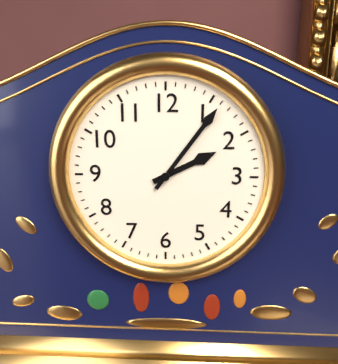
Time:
2h06
